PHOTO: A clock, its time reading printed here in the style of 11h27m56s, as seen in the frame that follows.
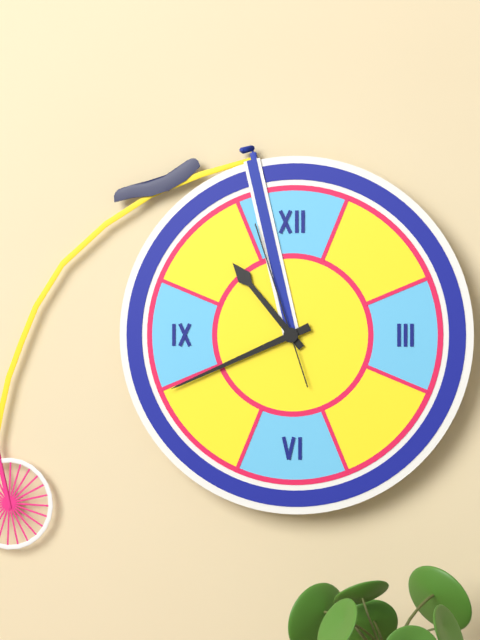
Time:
10h41m57s
